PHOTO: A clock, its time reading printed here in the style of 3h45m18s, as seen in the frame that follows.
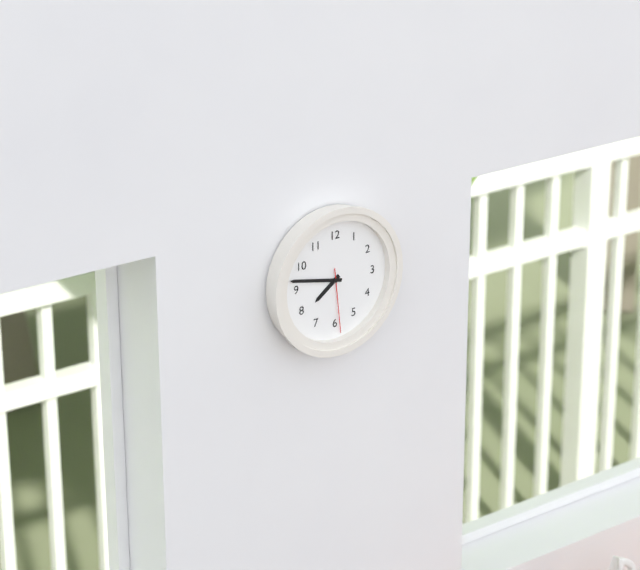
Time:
7h47m29s
